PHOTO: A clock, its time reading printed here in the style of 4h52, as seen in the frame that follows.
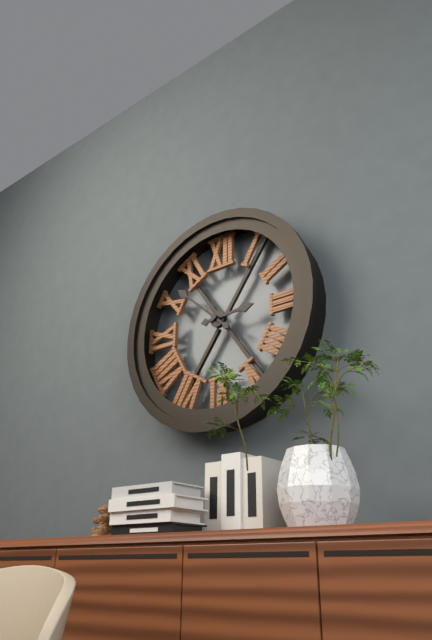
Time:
2h52
